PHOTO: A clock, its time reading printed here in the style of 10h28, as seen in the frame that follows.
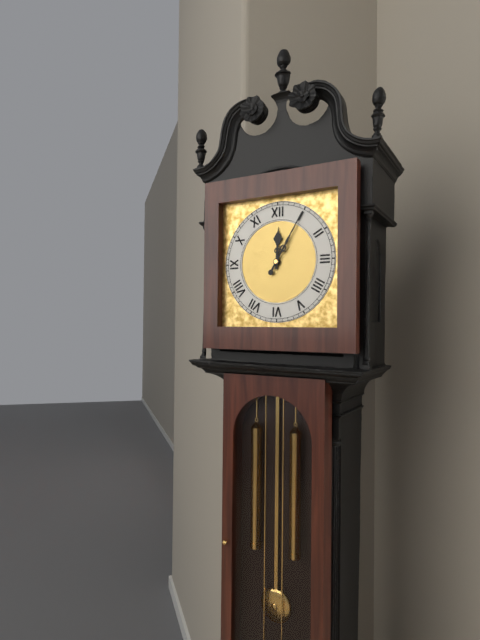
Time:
12h05
